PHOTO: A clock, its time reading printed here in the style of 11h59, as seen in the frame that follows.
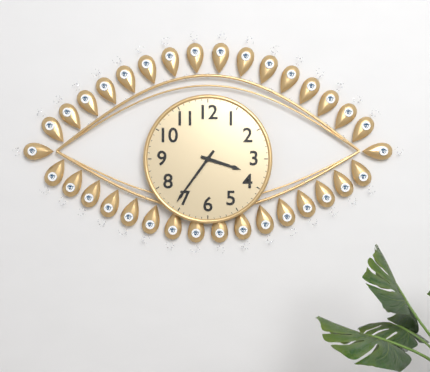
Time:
3h36
